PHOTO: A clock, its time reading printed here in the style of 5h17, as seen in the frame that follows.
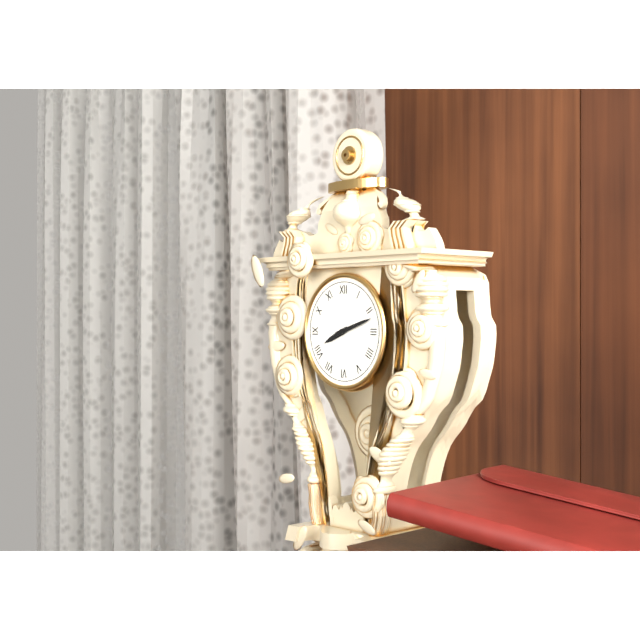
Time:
8h12
